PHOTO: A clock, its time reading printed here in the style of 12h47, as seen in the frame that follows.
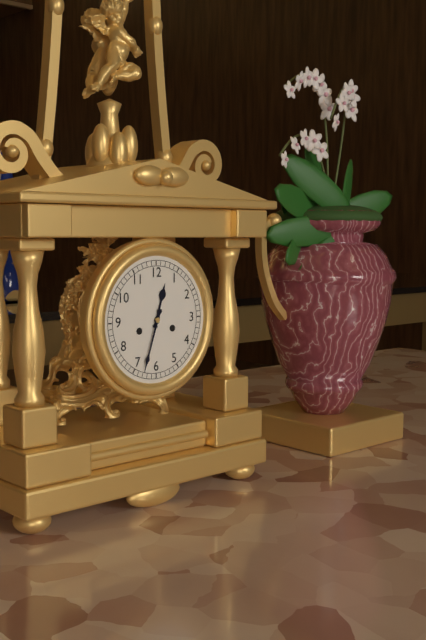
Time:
12h33
